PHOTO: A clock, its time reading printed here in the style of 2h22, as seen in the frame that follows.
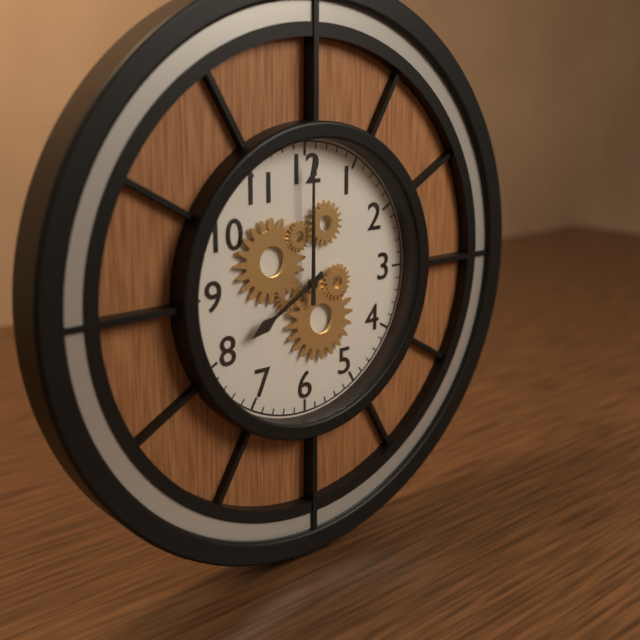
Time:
8h00
